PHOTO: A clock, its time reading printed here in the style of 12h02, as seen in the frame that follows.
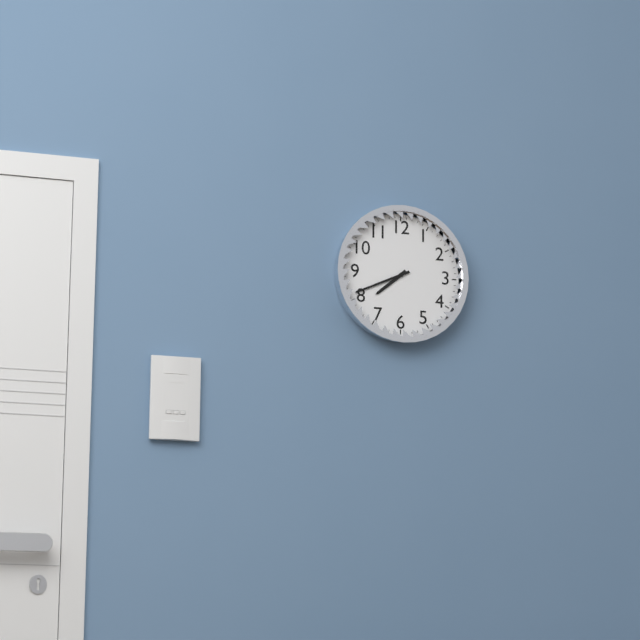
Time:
7h41
